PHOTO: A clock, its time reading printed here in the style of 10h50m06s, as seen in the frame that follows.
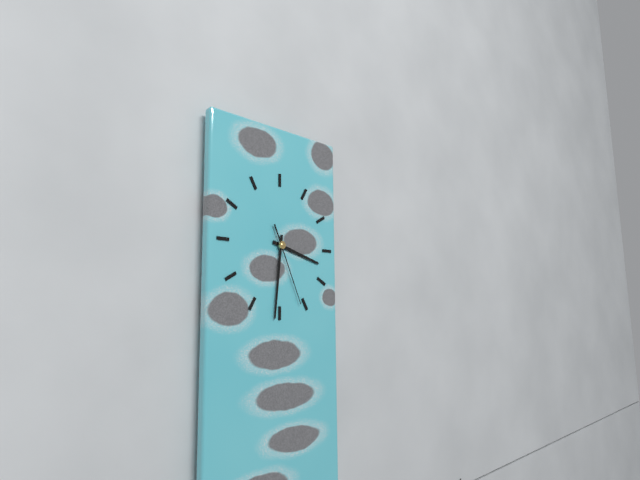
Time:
3h31m26s
